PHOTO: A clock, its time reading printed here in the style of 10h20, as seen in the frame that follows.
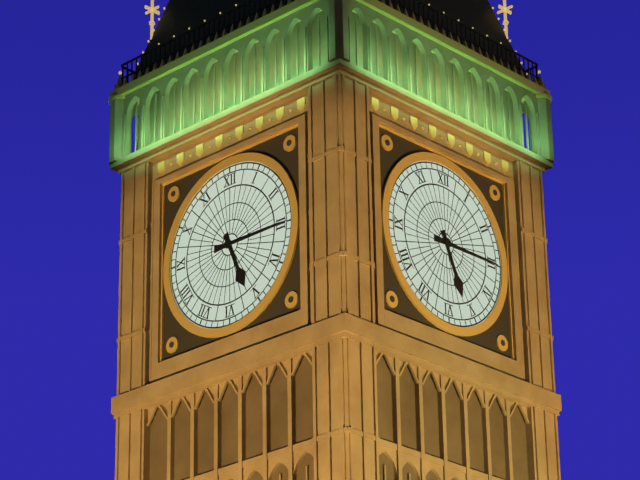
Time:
5h15
